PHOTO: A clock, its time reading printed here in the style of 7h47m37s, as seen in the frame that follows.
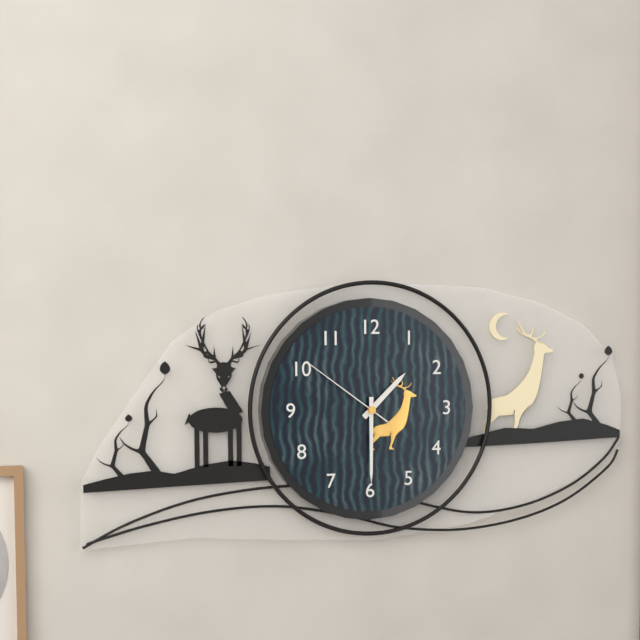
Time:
1h30m51s
